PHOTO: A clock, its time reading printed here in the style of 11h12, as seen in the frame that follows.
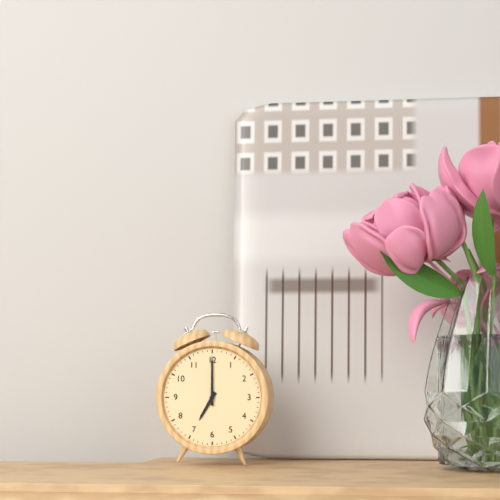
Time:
7h00
